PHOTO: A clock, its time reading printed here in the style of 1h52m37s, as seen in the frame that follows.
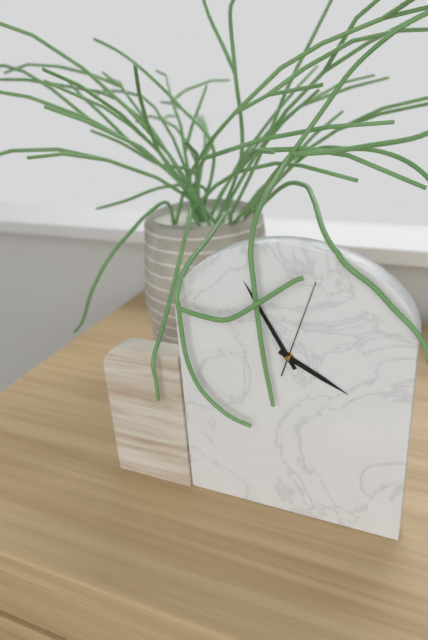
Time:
3h55m03s
